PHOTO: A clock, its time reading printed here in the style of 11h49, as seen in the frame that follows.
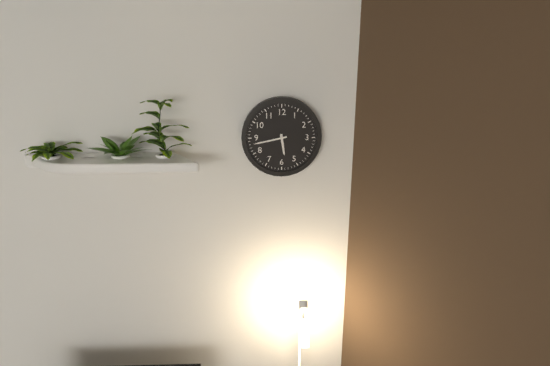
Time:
5h43
